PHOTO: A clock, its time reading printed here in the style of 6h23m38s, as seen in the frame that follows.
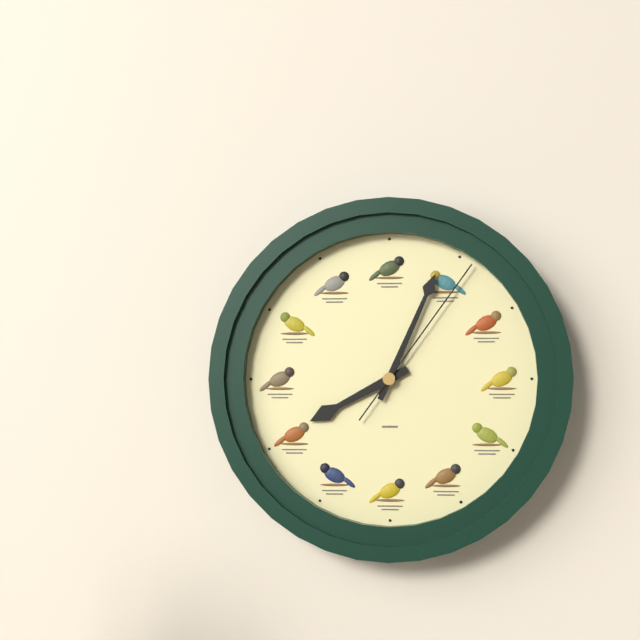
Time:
8h04m06s
